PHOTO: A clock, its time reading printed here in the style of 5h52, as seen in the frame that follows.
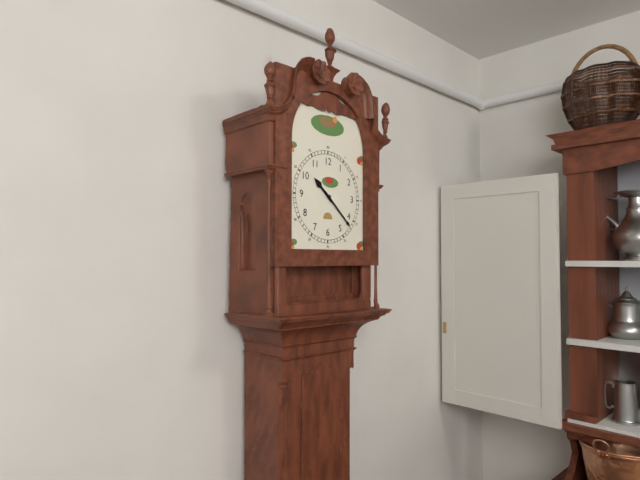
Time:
10h22
